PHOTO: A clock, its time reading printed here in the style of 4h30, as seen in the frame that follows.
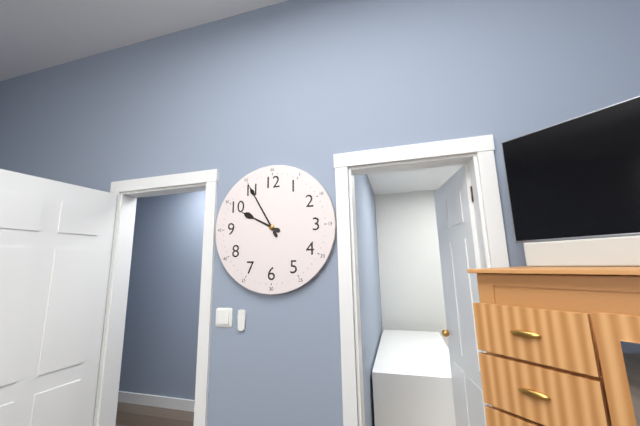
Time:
9h55
